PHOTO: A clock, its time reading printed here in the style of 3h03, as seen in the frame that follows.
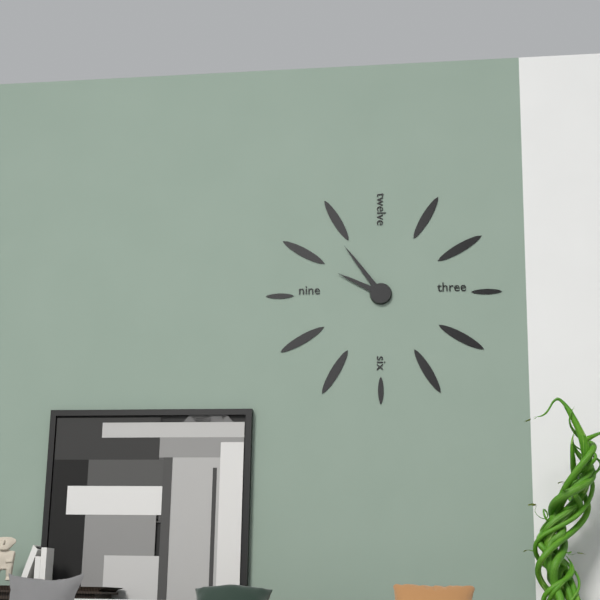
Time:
9h54
